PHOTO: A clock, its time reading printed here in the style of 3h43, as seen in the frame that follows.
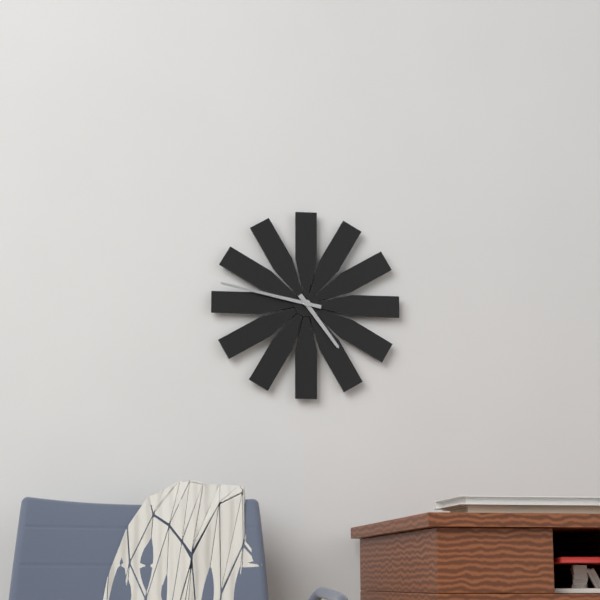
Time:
4h47
